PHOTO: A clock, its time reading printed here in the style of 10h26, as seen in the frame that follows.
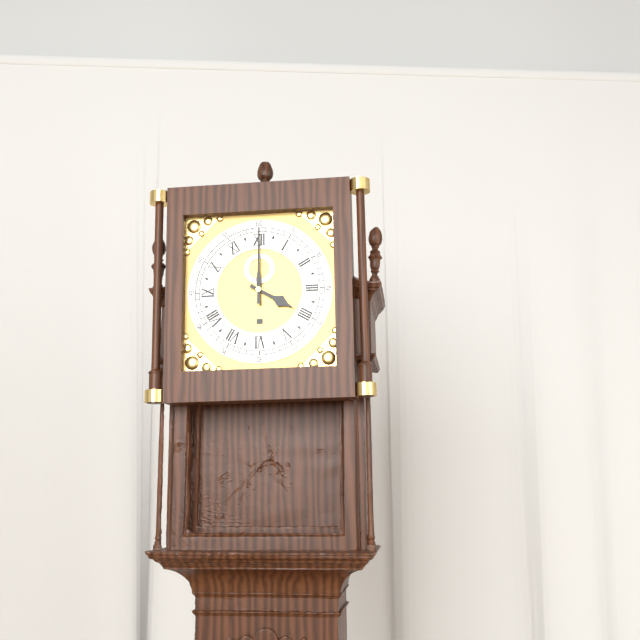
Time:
4h00
